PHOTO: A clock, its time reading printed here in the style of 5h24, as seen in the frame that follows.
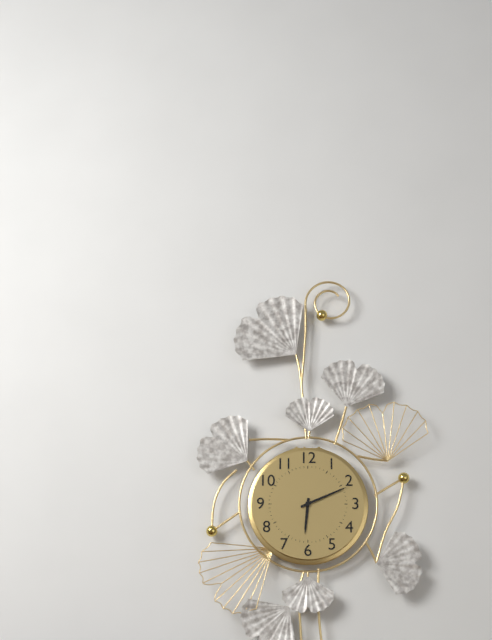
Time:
6h11
